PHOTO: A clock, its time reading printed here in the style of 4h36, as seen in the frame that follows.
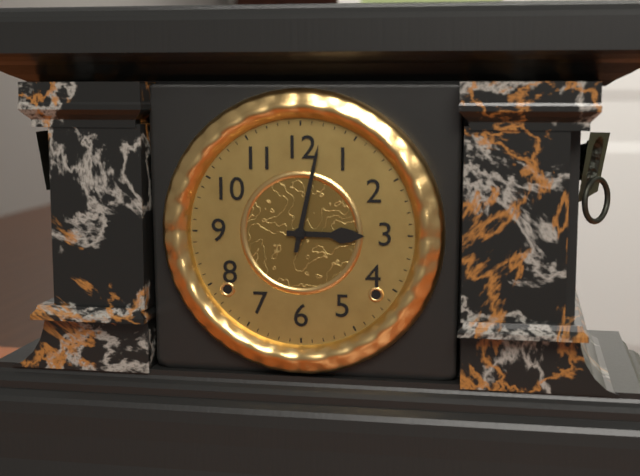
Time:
3h02
